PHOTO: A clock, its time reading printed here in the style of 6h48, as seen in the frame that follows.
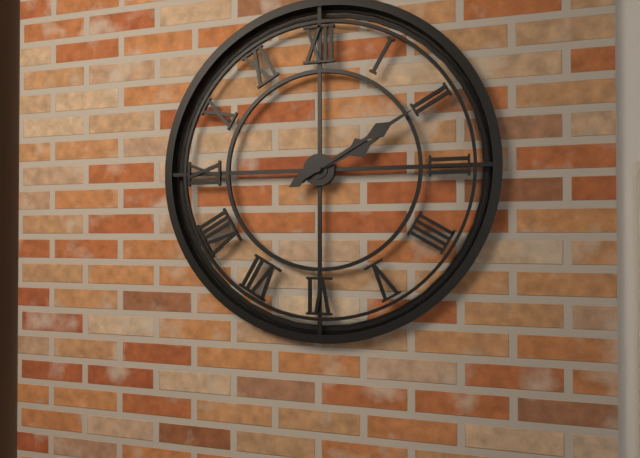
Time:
2h10
